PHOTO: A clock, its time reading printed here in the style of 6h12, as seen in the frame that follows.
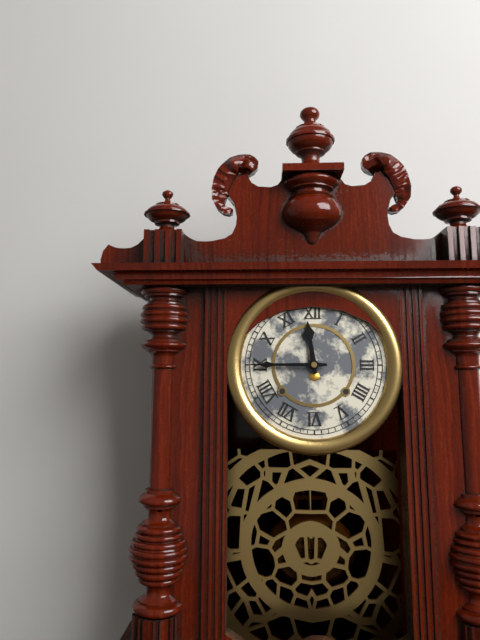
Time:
11h45
